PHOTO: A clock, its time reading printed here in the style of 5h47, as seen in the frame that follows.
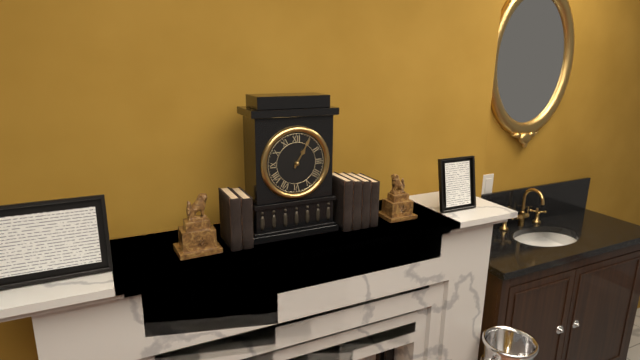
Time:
1h05
